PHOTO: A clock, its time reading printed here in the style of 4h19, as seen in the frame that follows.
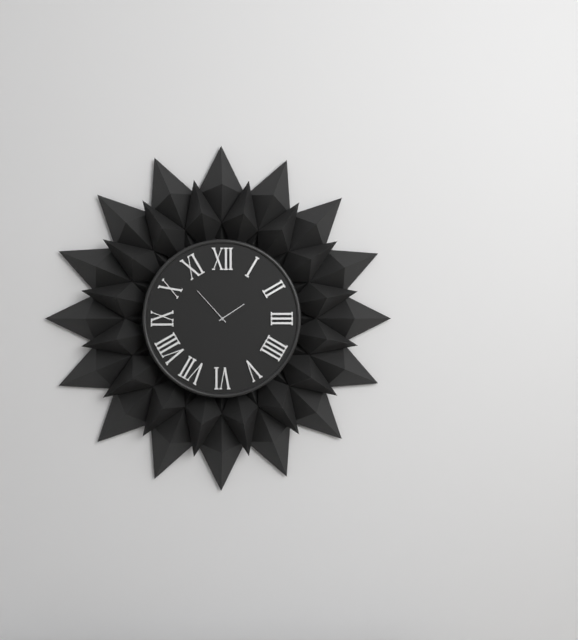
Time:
1h53
